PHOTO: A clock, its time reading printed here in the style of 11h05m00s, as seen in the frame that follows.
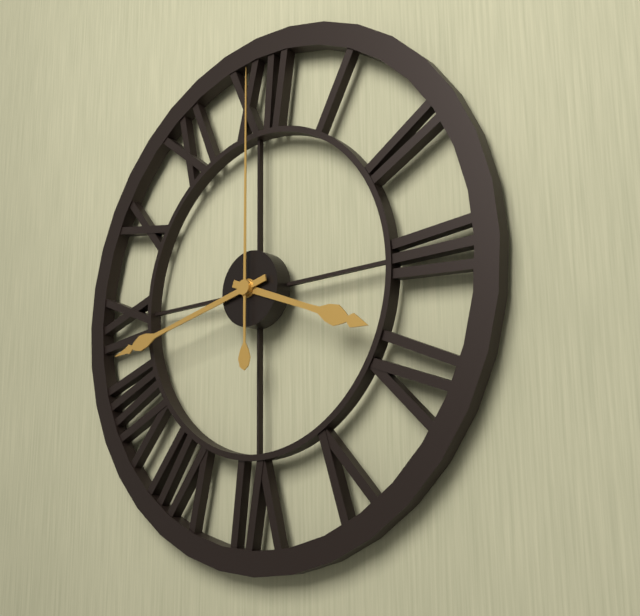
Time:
3h43m00s
